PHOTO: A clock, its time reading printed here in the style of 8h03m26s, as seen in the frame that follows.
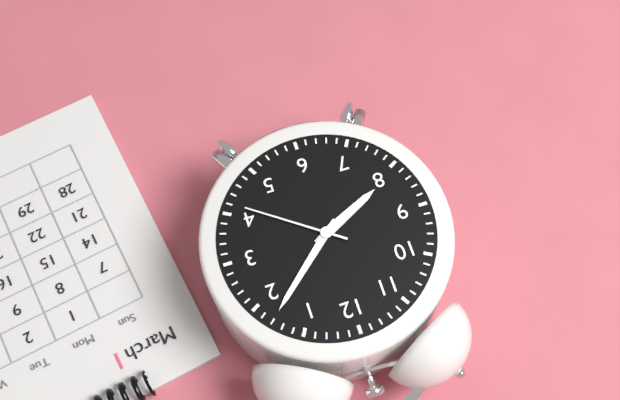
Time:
8h08m21s
